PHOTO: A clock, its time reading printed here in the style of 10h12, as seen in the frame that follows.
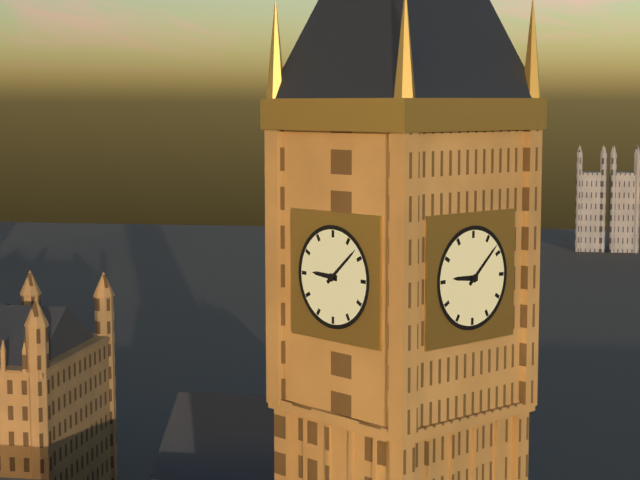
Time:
9h08
